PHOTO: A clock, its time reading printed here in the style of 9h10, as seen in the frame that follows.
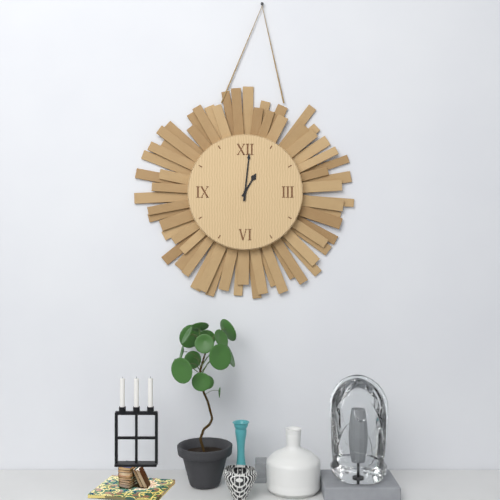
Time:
1h01
